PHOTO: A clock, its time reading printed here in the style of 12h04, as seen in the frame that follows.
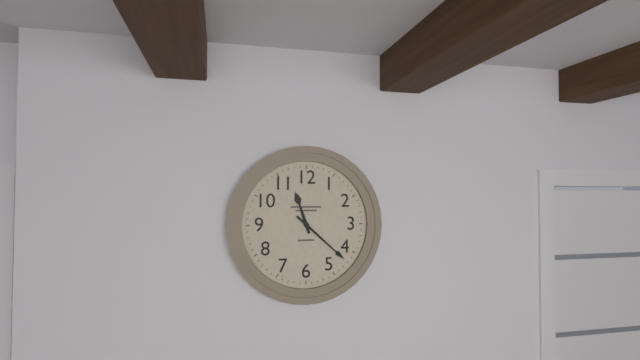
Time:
11h22
